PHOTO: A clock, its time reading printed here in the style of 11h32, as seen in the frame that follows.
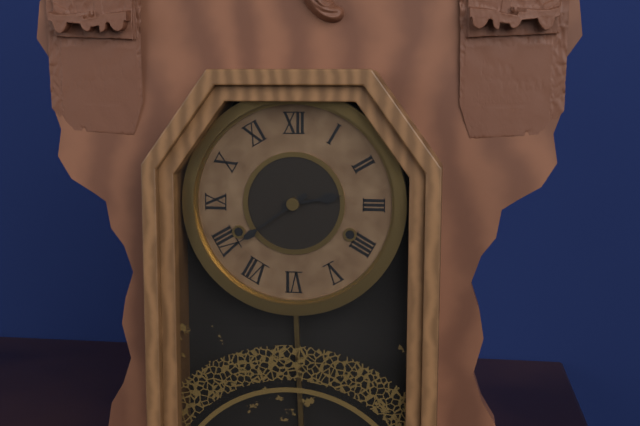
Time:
2h39
